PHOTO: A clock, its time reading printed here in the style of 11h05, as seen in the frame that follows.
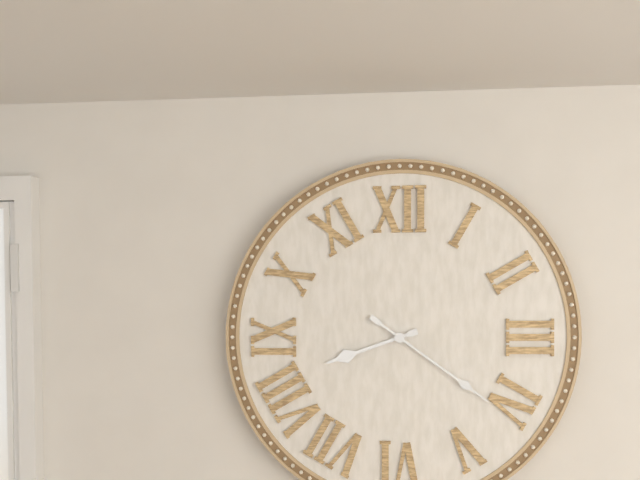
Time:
8h21
